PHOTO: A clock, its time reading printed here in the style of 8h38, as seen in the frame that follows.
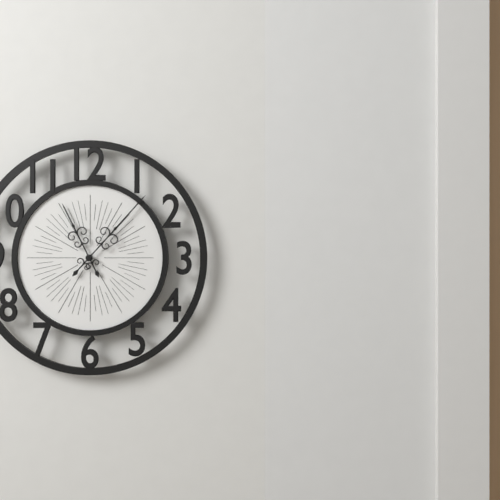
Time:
11h07
